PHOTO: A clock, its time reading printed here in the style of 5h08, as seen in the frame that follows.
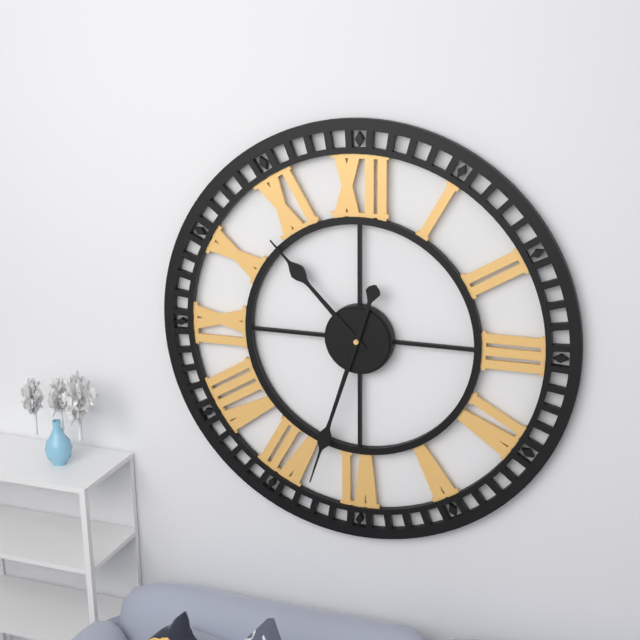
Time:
10h33
